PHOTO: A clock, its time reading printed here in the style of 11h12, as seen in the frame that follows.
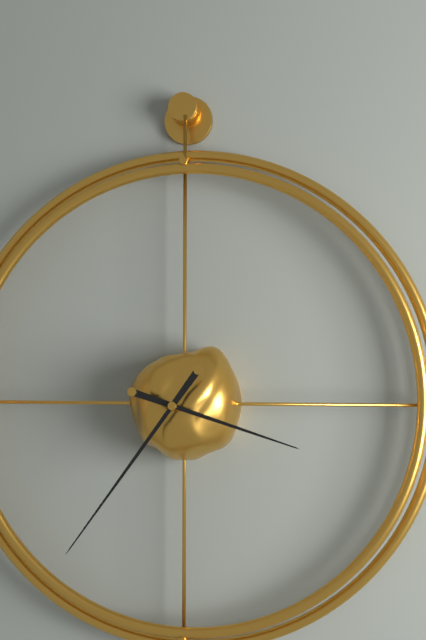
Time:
3h36
